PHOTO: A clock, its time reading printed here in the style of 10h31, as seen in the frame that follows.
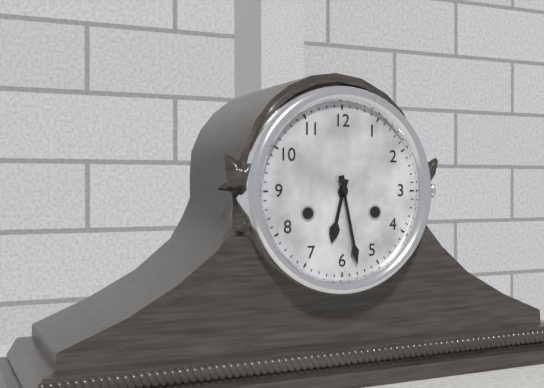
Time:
6h28
